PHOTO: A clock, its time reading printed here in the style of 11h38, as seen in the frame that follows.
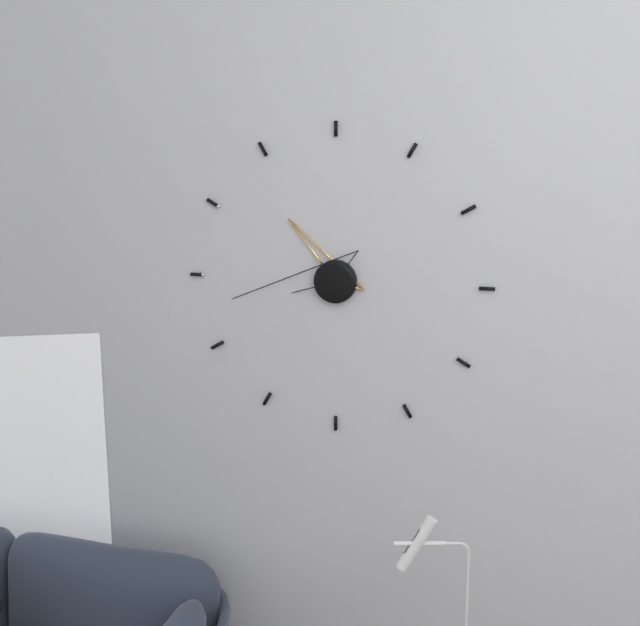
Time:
10h43
